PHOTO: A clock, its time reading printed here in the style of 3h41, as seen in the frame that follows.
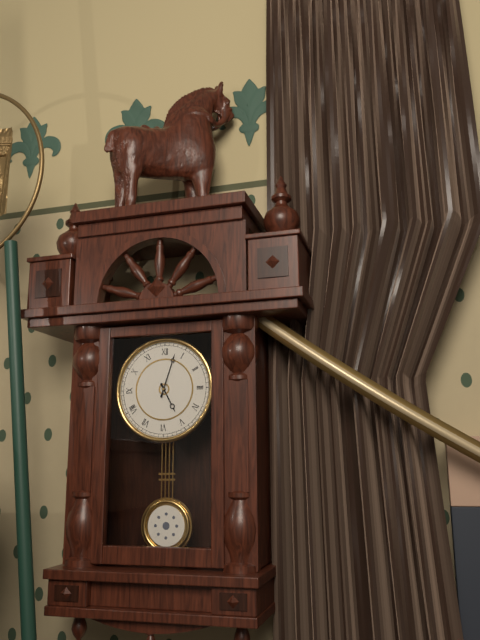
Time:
5h03
